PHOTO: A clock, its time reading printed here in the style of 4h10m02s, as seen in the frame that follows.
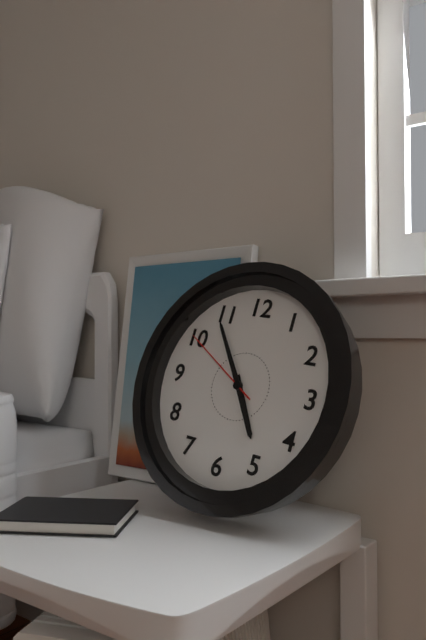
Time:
4h54m50s
